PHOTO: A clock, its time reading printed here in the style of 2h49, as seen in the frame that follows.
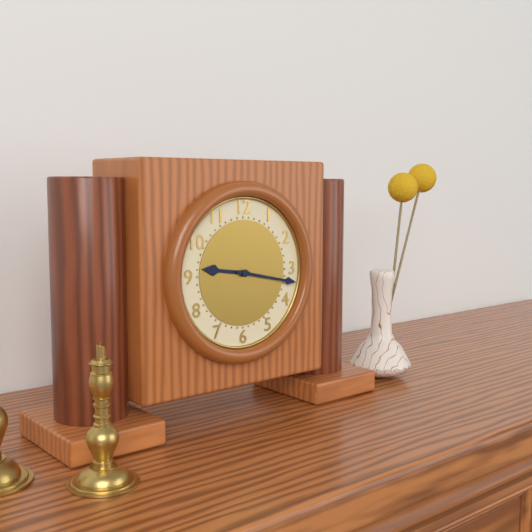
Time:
9h17
